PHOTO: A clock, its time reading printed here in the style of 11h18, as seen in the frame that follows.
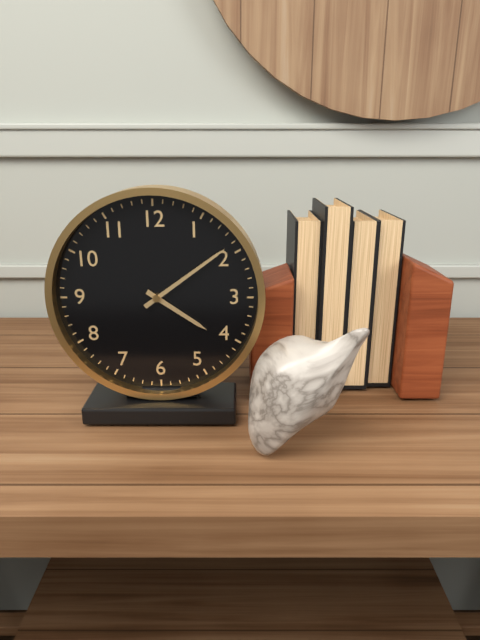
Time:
4h09
